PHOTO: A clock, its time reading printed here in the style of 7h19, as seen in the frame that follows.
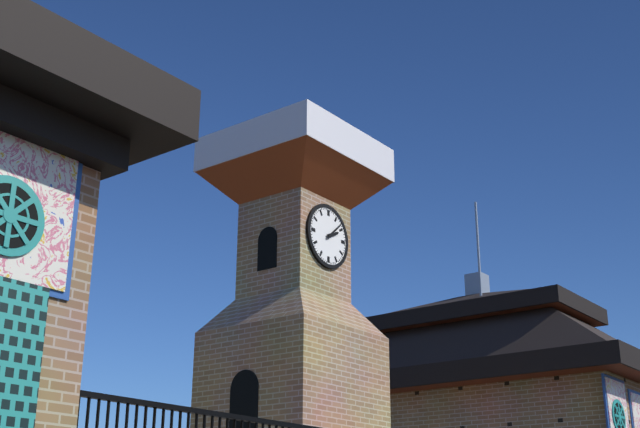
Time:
2h08
